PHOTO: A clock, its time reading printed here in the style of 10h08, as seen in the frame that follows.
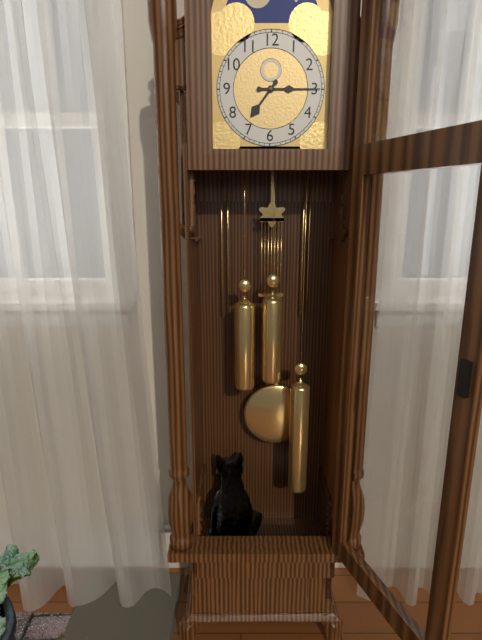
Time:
7h15
